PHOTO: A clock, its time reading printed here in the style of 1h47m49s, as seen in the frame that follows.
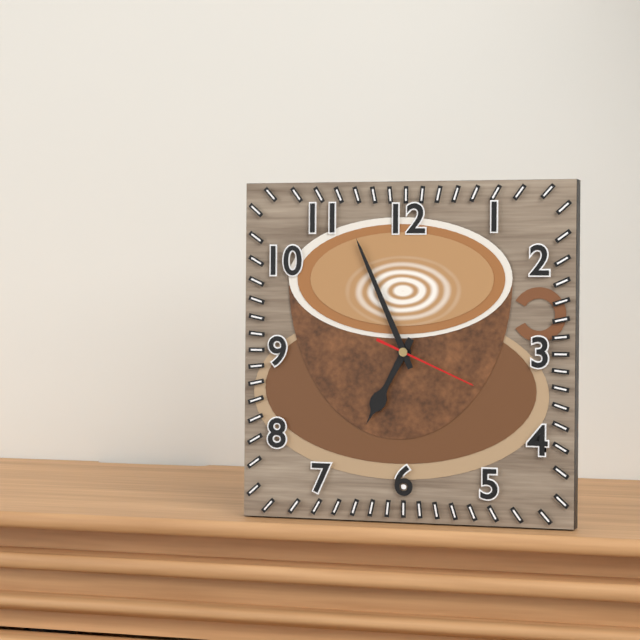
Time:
6h56m19s
